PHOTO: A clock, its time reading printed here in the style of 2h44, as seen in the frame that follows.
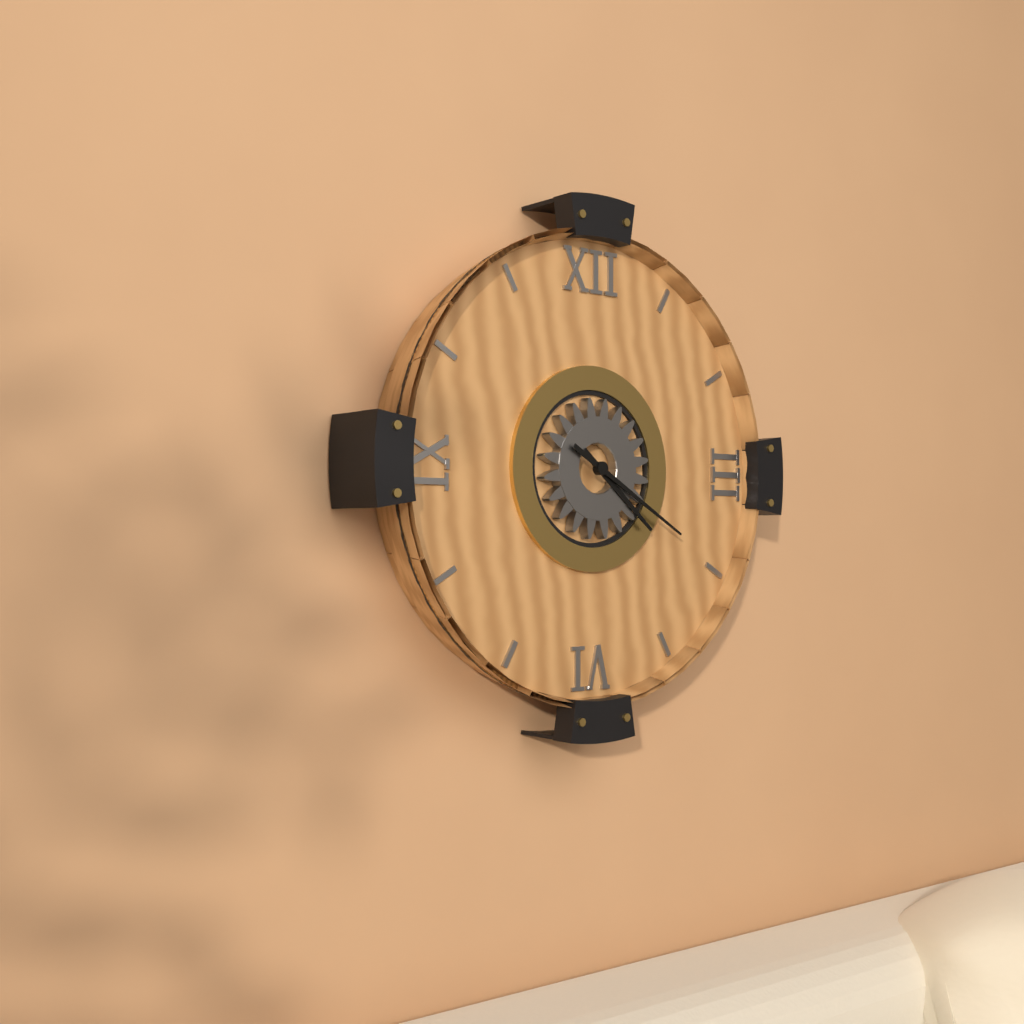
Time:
4h20
